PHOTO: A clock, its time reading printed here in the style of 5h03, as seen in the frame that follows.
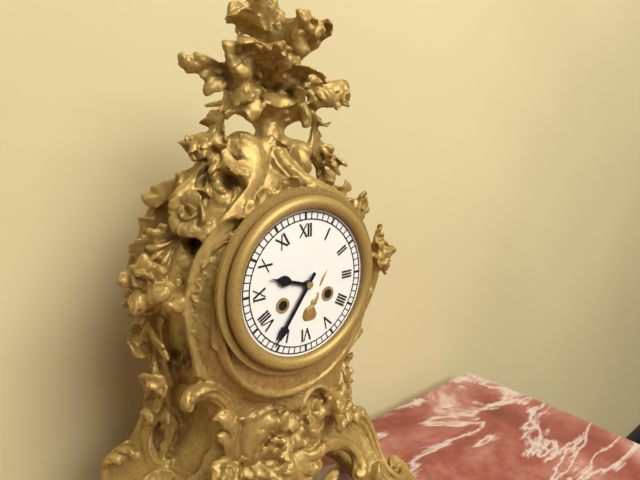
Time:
9h36
